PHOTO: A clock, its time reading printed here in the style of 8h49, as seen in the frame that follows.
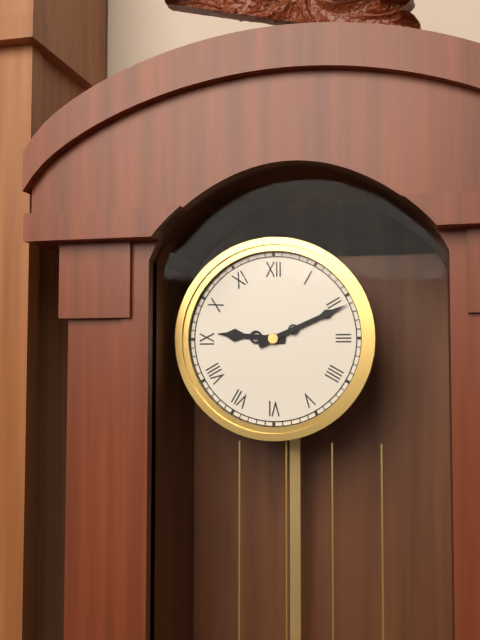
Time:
9h11
